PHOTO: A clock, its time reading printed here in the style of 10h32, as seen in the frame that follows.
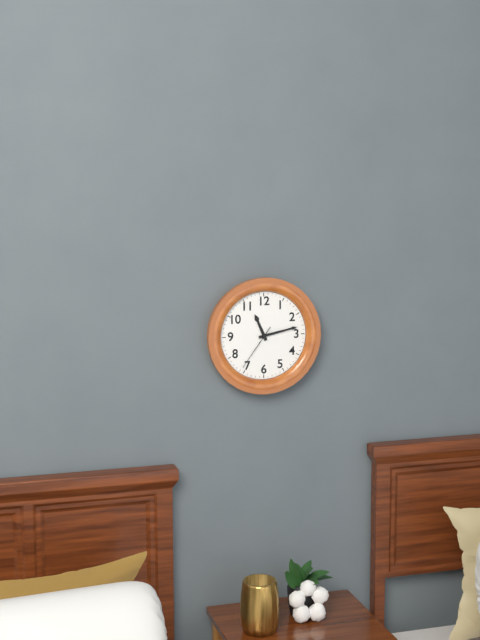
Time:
11h13
